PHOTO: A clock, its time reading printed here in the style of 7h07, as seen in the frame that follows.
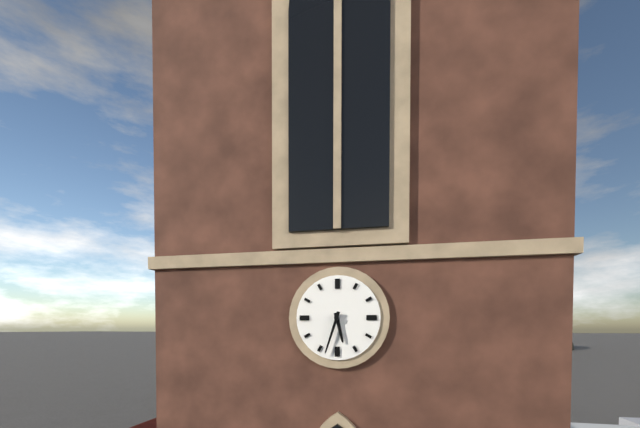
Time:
5h33
